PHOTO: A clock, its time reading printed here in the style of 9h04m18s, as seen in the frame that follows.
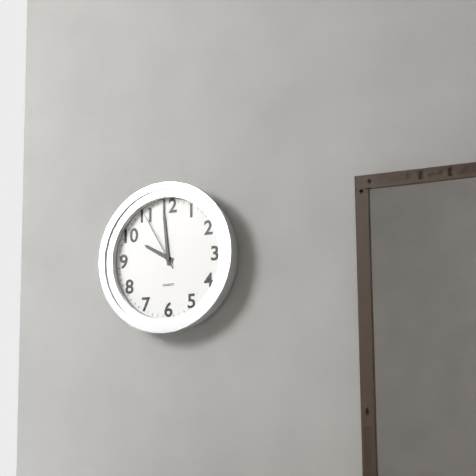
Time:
9h59m55s
